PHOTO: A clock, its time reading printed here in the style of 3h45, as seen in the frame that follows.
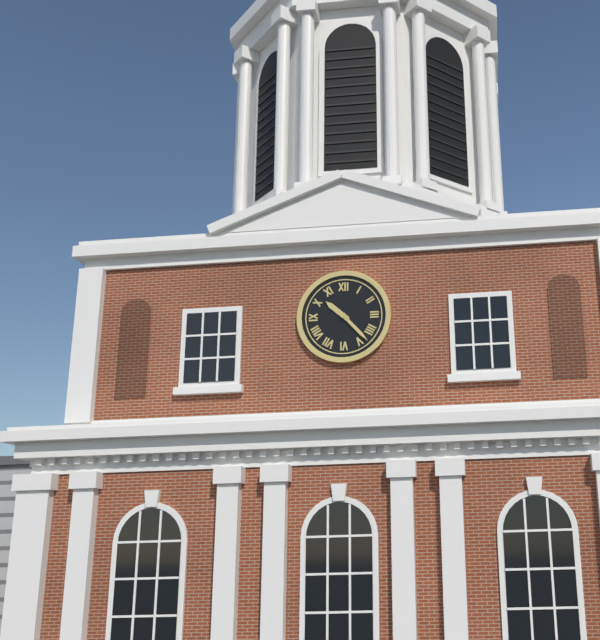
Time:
10h23
